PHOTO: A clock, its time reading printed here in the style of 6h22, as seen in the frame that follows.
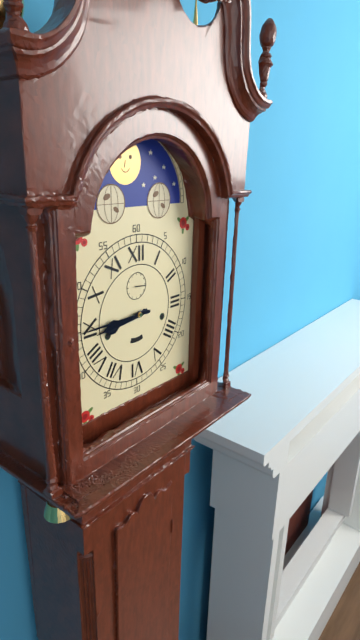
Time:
8h45
